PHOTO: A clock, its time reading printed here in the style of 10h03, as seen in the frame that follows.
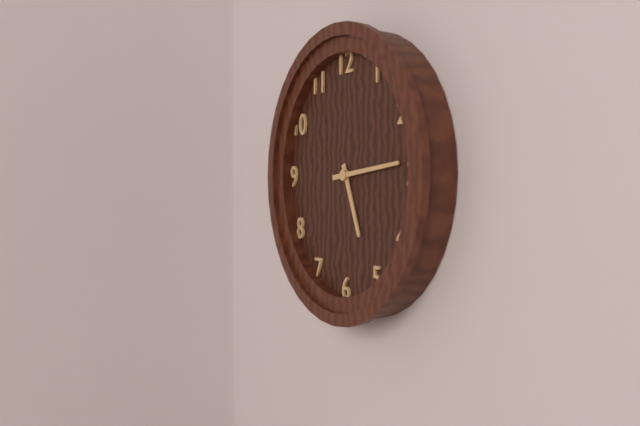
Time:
5h14
